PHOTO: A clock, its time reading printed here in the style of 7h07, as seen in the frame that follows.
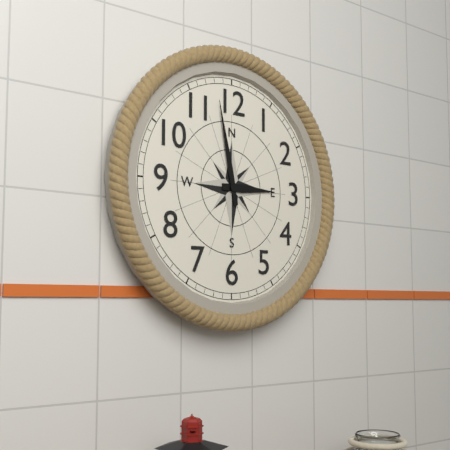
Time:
2h58
